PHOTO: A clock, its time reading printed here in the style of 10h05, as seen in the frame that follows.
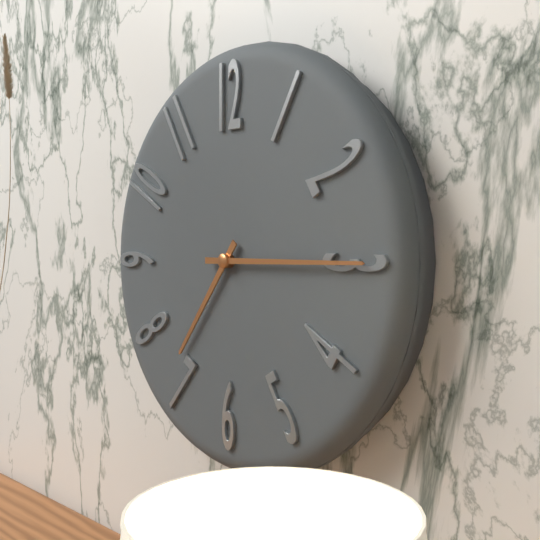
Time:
7h15
